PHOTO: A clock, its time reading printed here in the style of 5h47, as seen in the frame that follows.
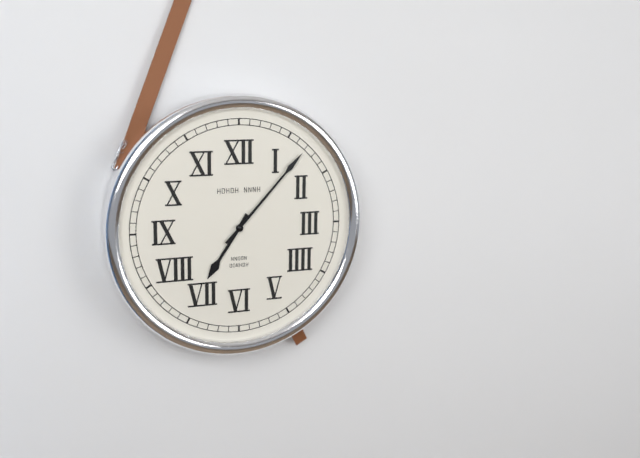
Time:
7h07
